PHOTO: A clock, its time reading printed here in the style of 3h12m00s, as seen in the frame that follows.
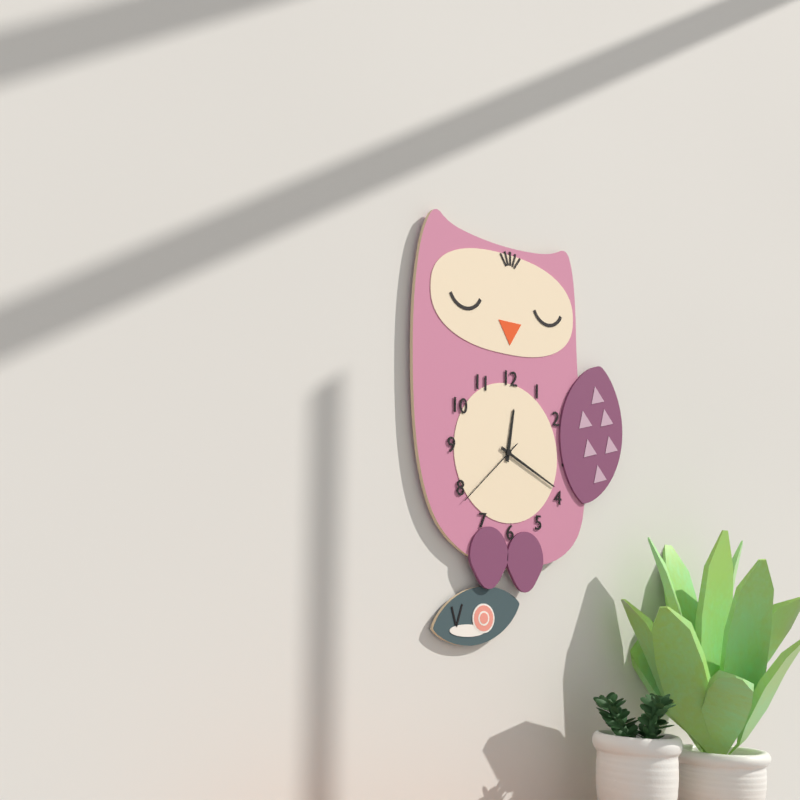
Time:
12h19m38s
